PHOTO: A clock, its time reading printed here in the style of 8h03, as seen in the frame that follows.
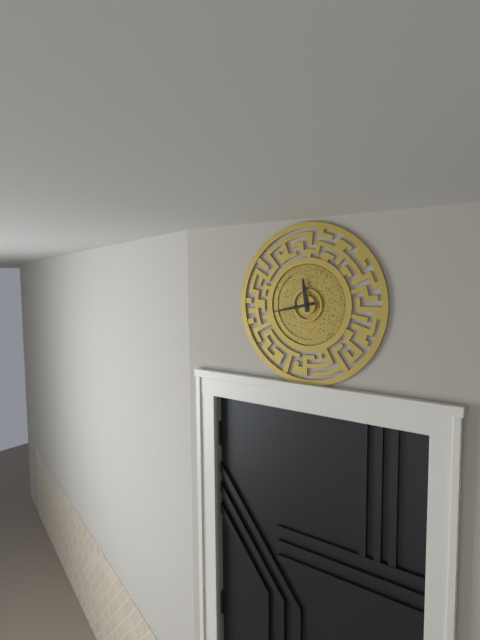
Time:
11h43
